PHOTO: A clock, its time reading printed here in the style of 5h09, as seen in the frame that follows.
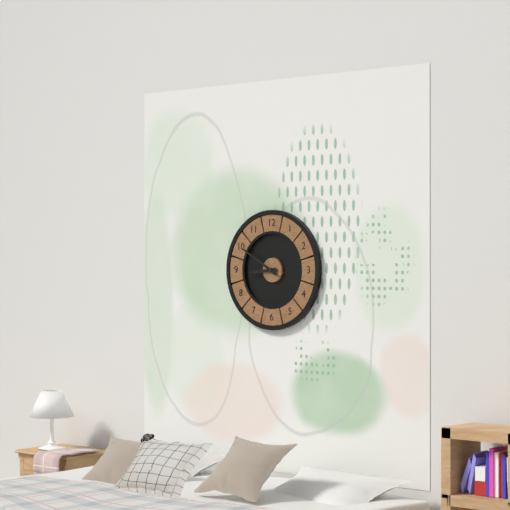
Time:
8h50
